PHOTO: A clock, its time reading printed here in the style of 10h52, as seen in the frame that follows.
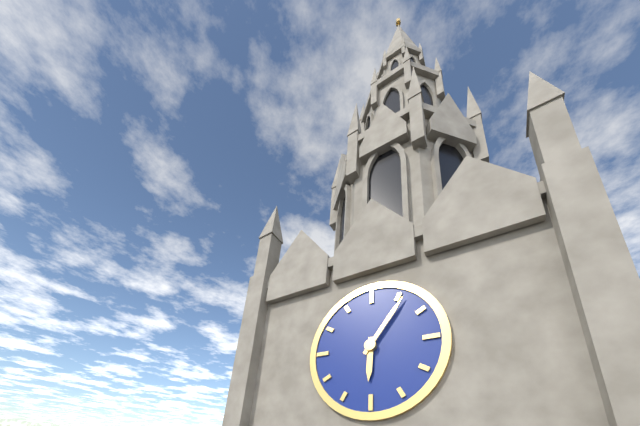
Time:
6h06
